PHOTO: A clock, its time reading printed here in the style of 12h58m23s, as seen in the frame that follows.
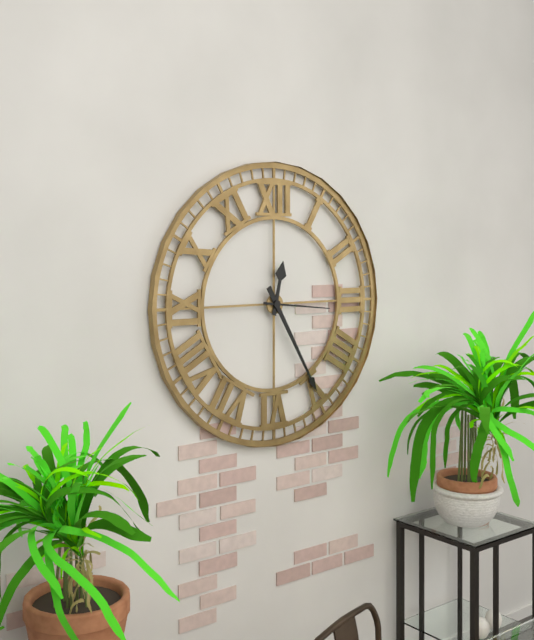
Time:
12h25m16s
